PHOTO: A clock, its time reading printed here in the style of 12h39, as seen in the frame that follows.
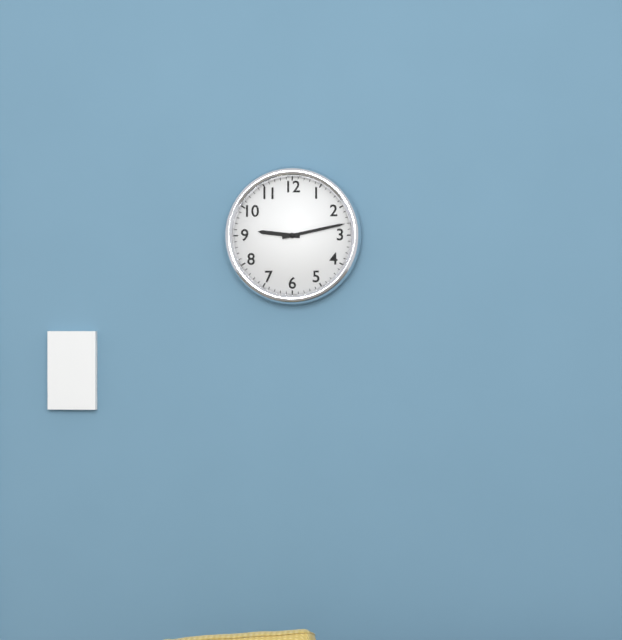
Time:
9h13
